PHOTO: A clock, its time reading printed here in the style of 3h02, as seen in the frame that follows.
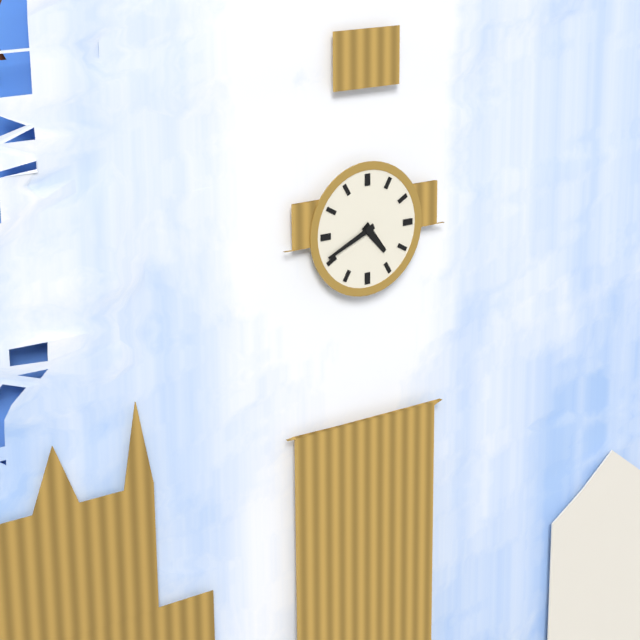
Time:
4h41
